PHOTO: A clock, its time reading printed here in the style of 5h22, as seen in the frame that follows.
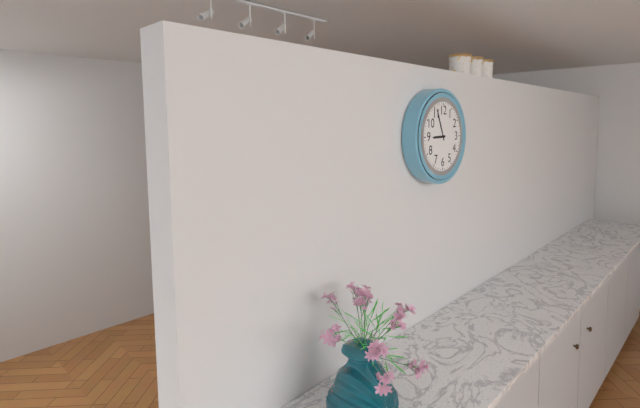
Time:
8h56
